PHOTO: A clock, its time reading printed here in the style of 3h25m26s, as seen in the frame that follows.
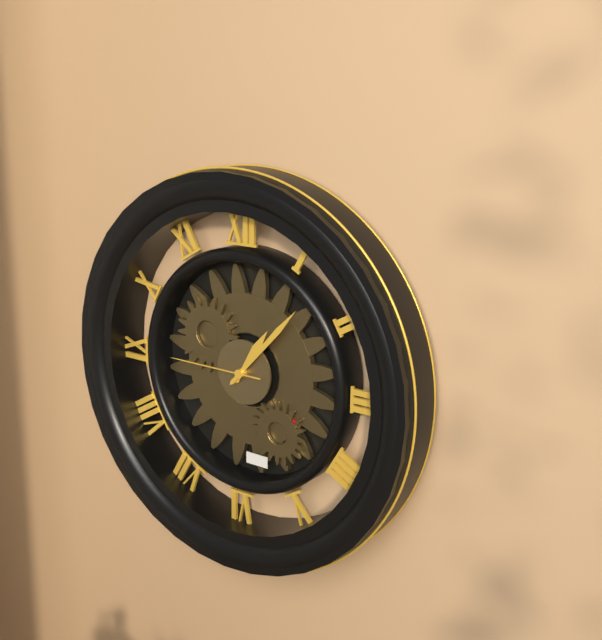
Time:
1h07m45s
